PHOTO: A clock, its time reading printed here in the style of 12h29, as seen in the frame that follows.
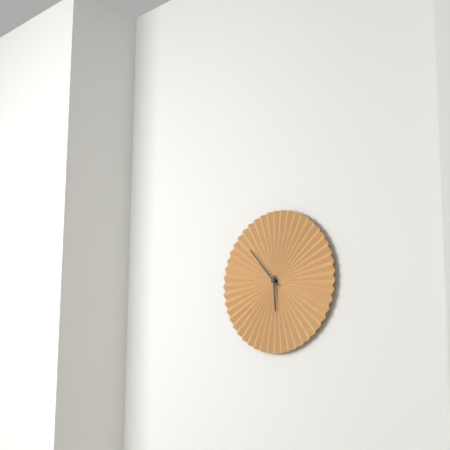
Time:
5h53
